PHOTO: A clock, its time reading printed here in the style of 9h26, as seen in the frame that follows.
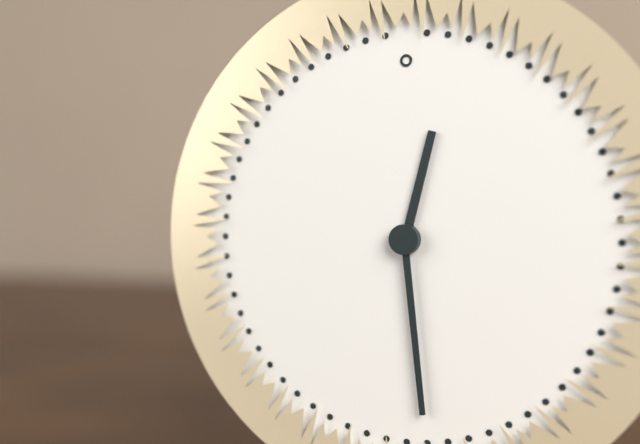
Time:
12h29
